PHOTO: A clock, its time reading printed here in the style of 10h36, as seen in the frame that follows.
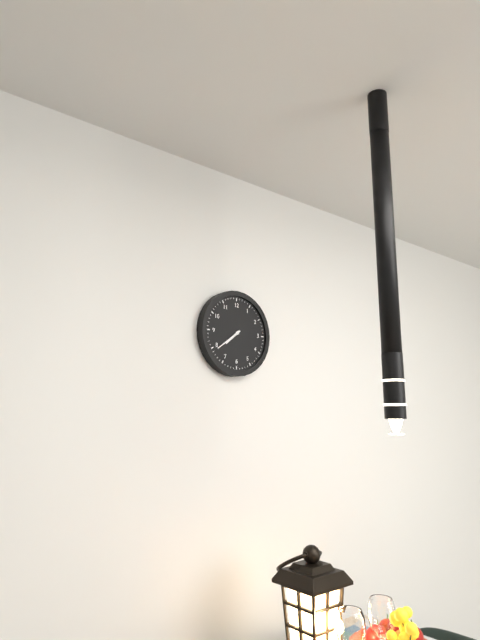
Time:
7h39
